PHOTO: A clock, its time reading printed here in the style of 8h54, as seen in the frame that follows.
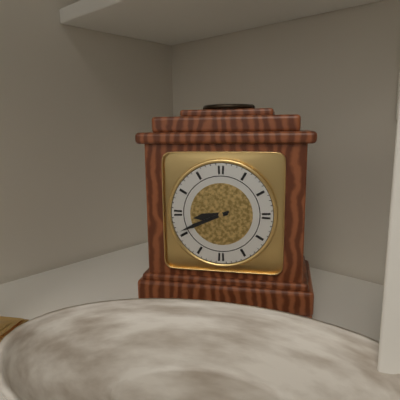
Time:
8h41
